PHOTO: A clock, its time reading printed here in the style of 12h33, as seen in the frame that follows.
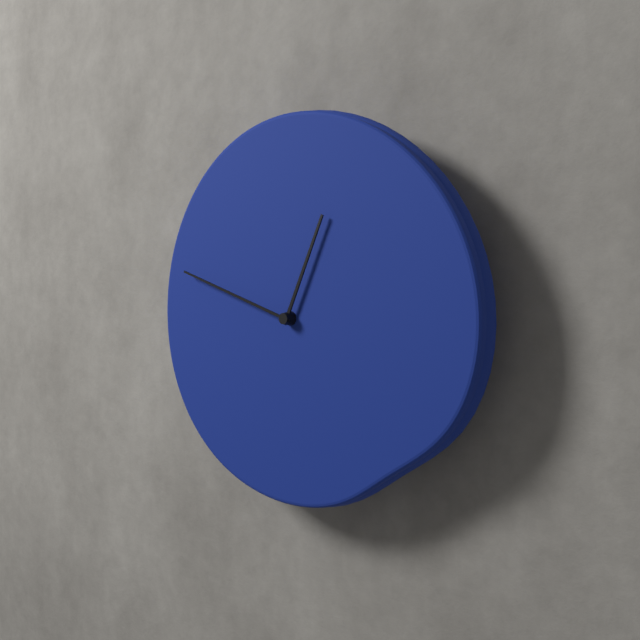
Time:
12h48
